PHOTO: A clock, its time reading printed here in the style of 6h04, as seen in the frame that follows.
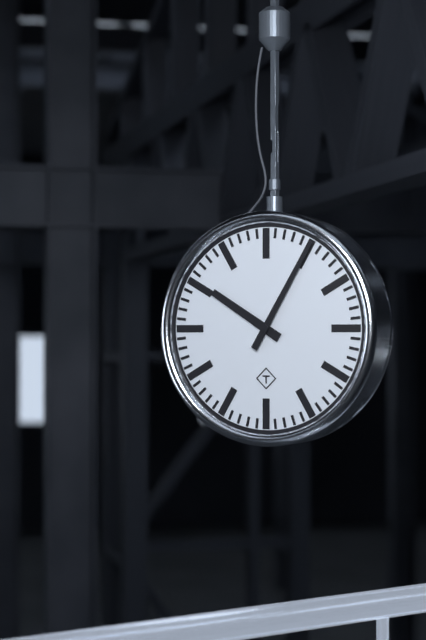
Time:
10h05
